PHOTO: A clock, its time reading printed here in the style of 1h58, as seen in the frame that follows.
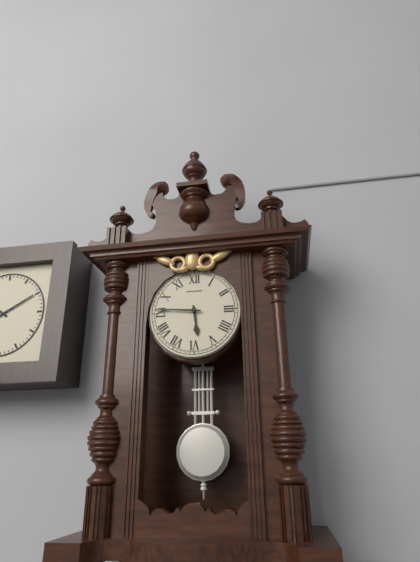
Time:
5h46
